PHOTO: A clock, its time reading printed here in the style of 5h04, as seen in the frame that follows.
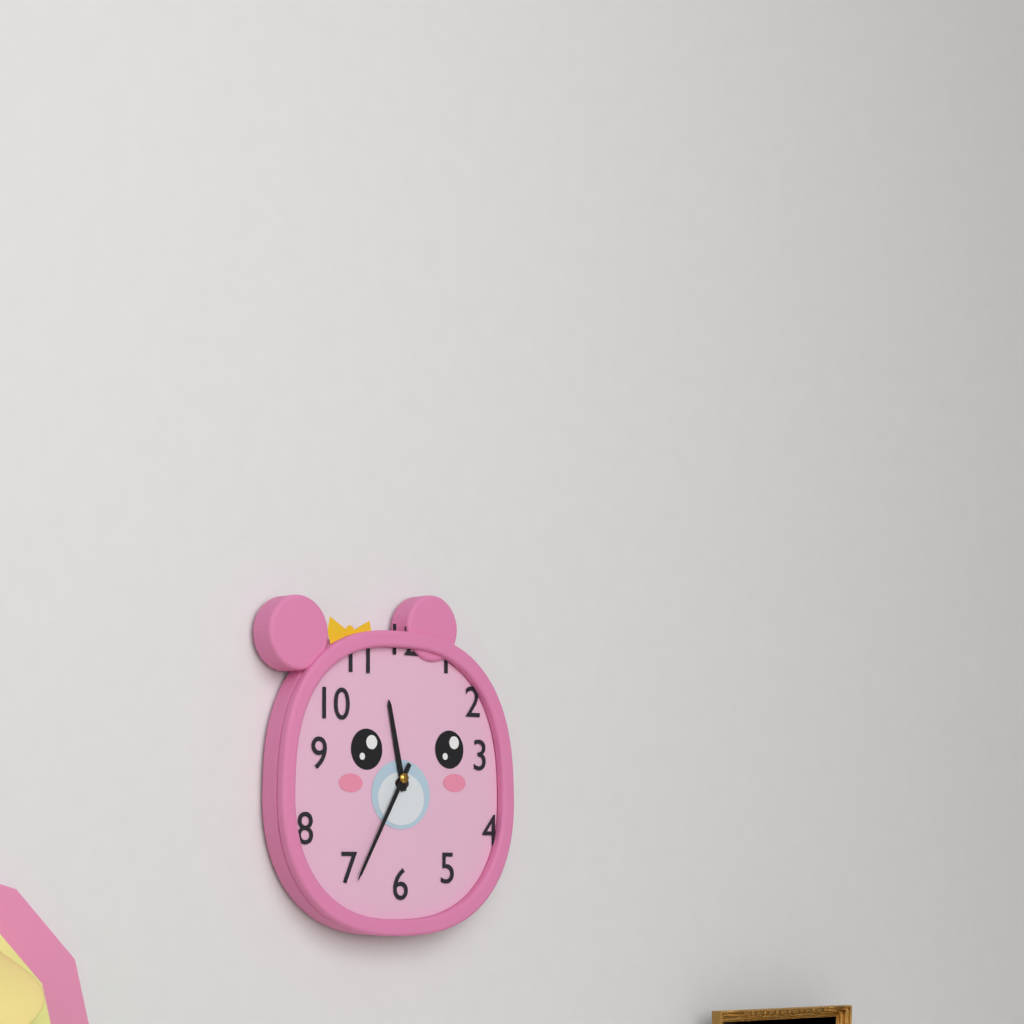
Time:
11h35
